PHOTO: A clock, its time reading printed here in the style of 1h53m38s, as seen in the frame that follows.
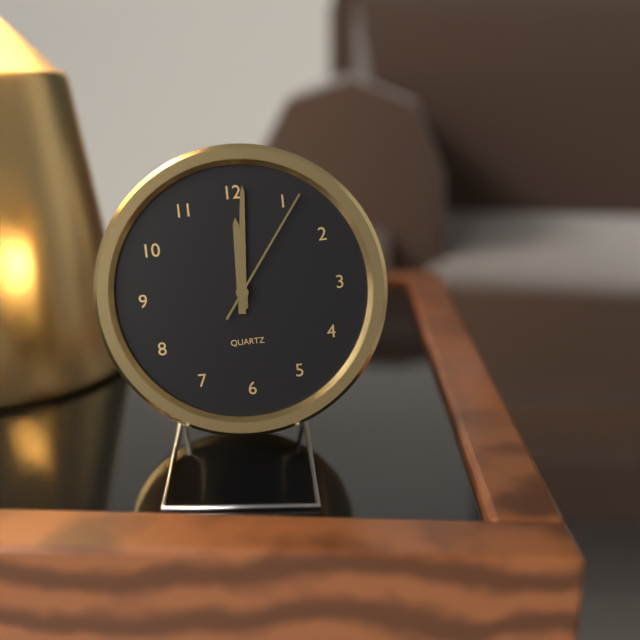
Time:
12h01m06s
